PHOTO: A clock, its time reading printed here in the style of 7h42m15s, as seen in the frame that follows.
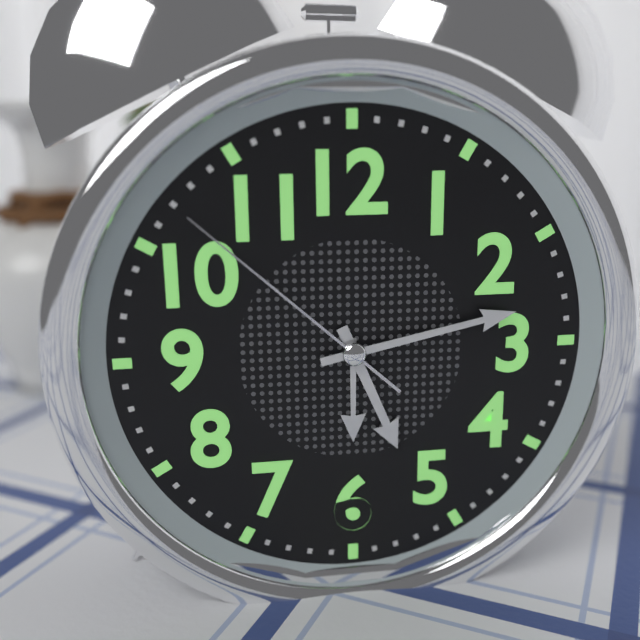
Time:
5h13m52s
